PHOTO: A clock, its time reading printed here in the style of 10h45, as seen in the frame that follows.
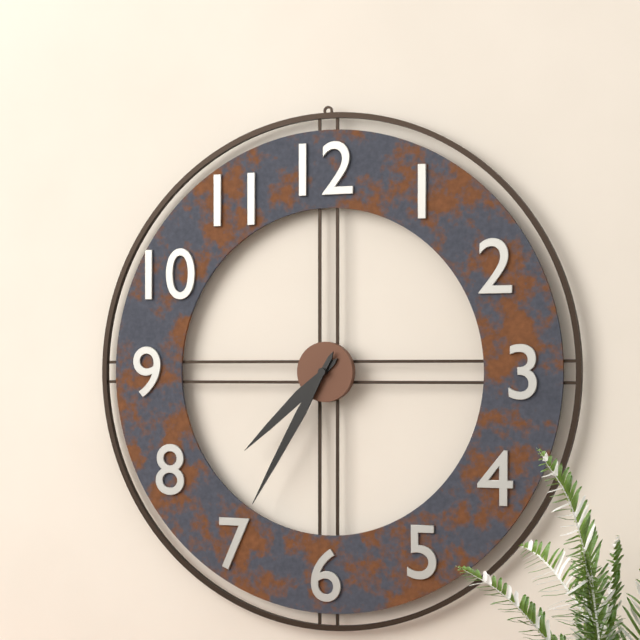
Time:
7h35
